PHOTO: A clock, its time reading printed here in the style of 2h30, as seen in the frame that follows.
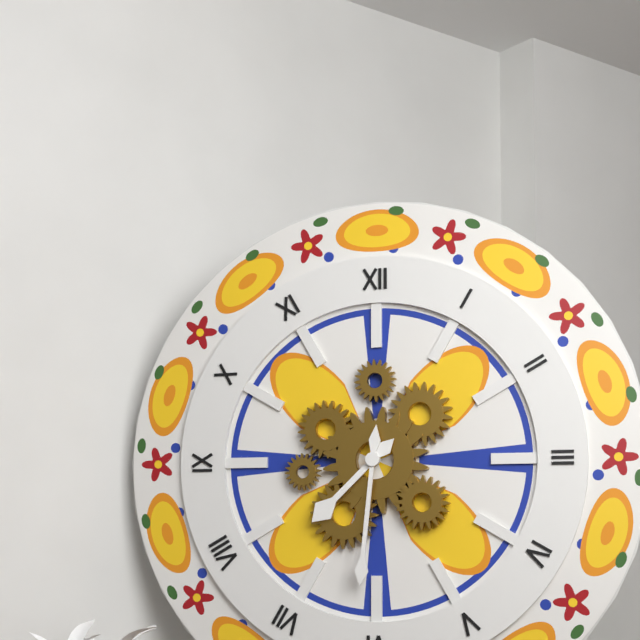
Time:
7h31
